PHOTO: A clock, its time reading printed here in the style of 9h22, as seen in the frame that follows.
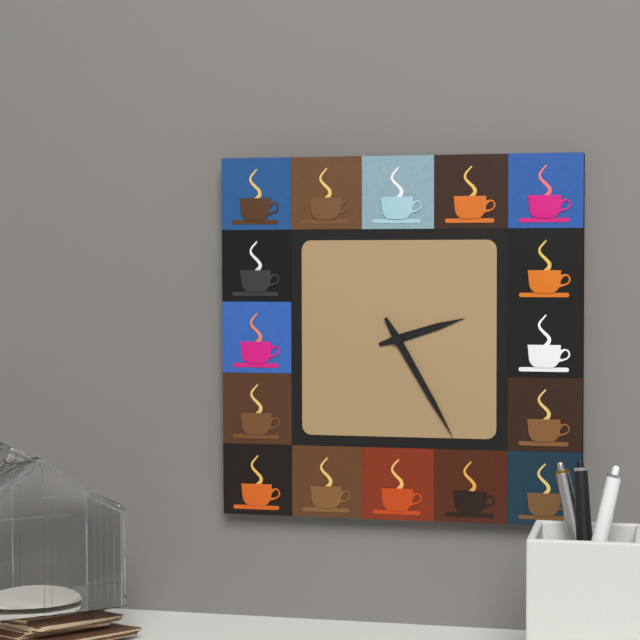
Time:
2h25
